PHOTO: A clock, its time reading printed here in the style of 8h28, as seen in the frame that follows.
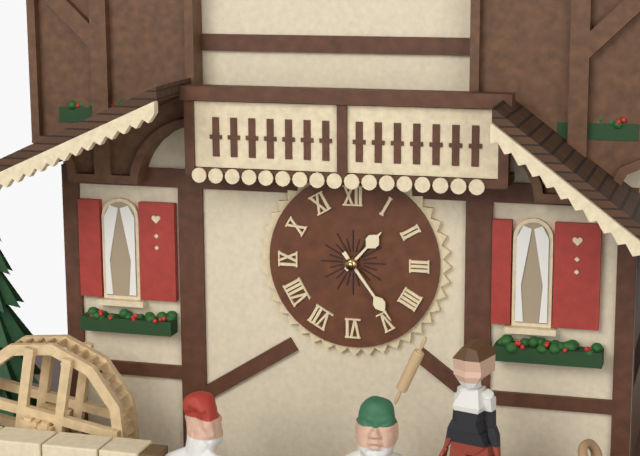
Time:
1h24
